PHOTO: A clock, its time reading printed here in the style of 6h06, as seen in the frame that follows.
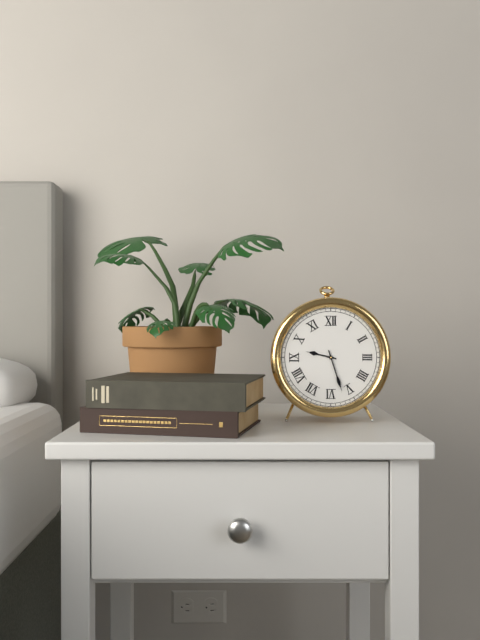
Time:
9h27
